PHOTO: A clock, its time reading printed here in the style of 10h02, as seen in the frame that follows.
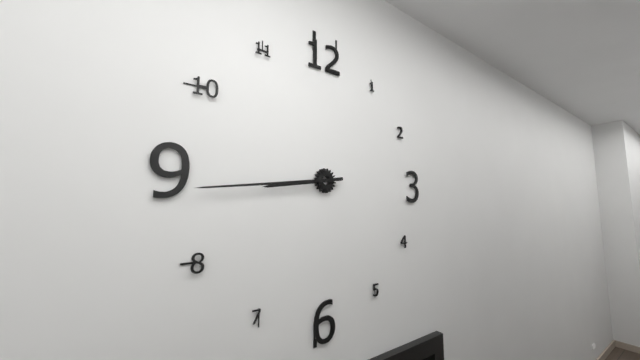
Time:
8h44
